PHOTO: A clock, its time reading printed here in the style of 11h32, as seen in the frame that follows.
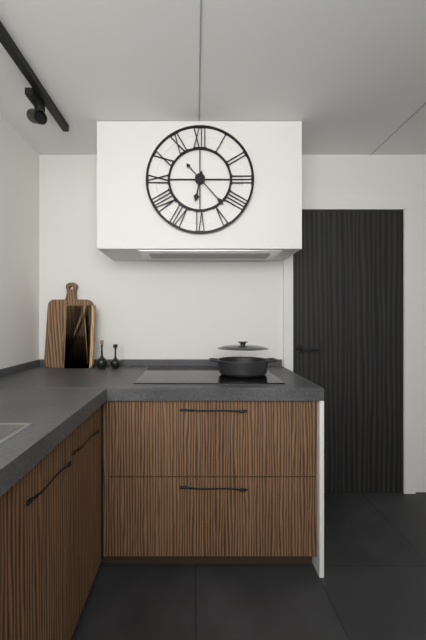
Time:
6h23
